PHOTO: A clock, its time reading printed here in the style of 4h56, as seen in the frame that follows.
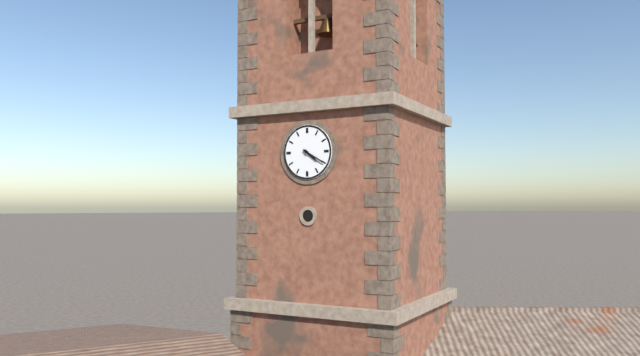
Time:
4h20
